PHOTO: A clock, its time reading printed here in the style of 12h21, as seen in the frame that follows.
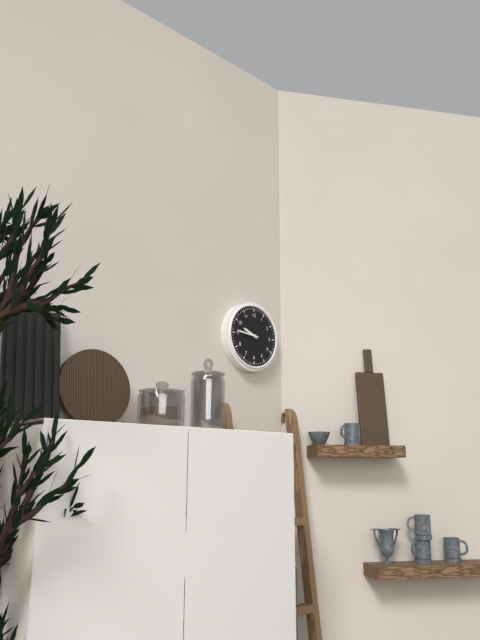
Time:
9h46
